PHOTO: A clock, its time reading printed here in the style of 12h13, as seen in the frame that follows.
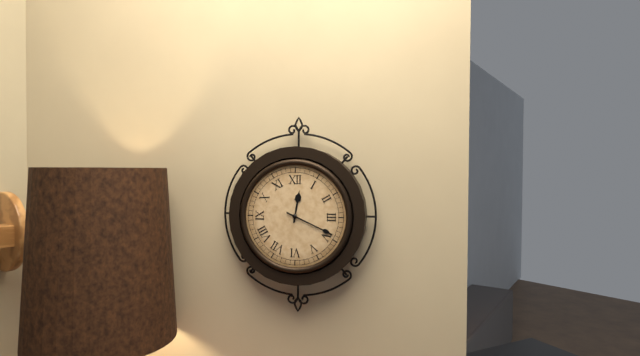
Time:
12h19
